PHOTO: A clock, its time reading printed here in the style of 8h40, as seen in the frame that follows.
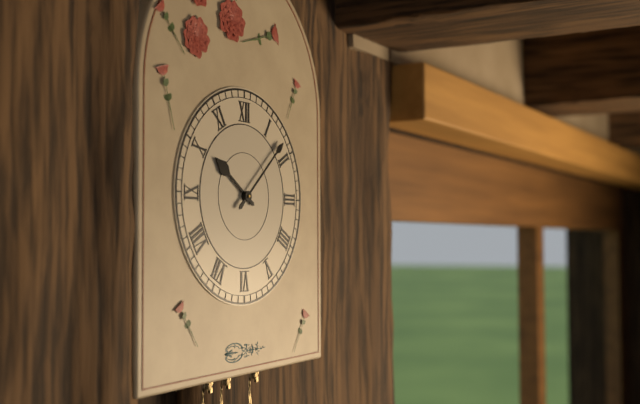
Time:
10h08
